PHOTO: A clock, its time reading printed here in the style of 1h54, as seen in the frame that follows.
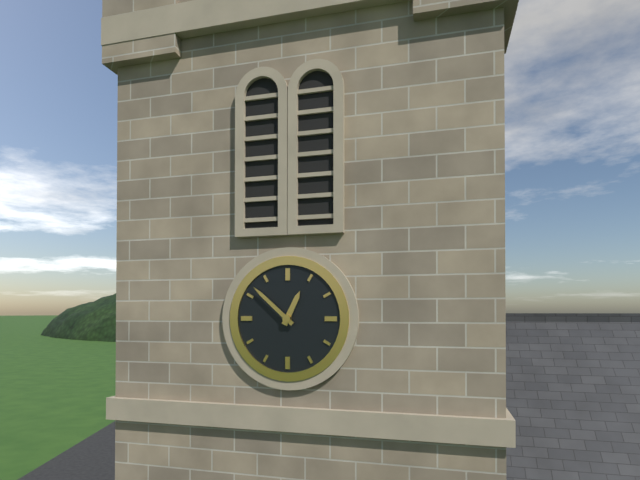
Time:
12h52
